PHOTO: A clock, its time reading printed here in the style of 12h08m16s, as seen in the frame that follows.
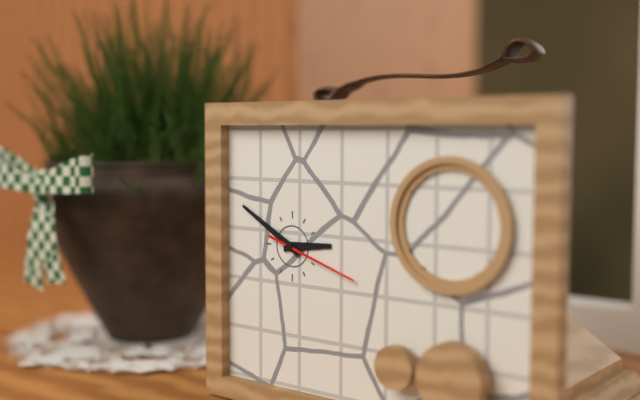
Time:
2h50m18s
